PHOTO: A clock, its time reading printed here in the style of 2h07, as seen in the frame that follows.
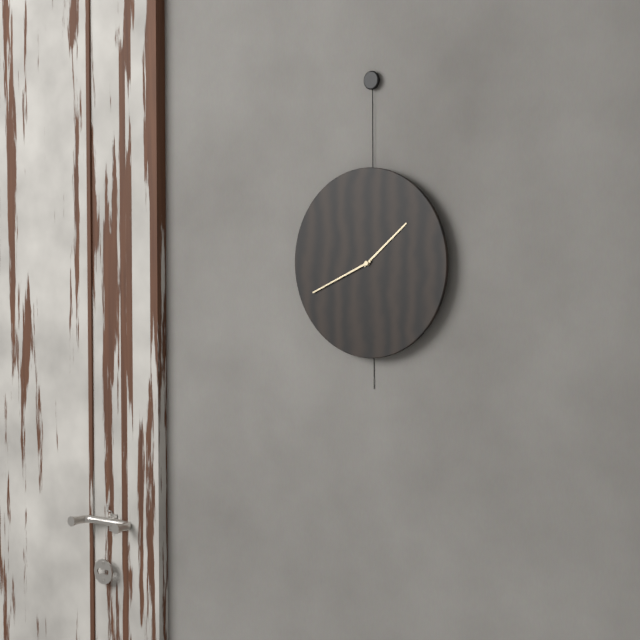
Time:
1h41
